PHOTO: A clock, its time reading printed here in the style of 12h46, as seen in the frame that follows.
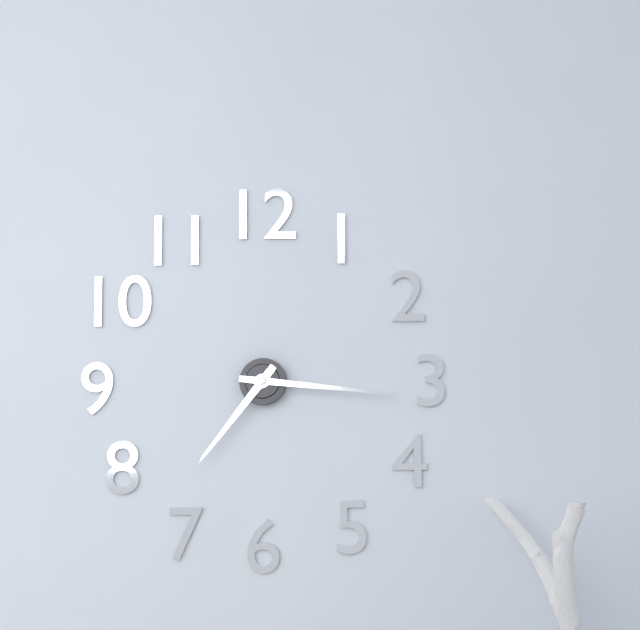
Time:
7h16
